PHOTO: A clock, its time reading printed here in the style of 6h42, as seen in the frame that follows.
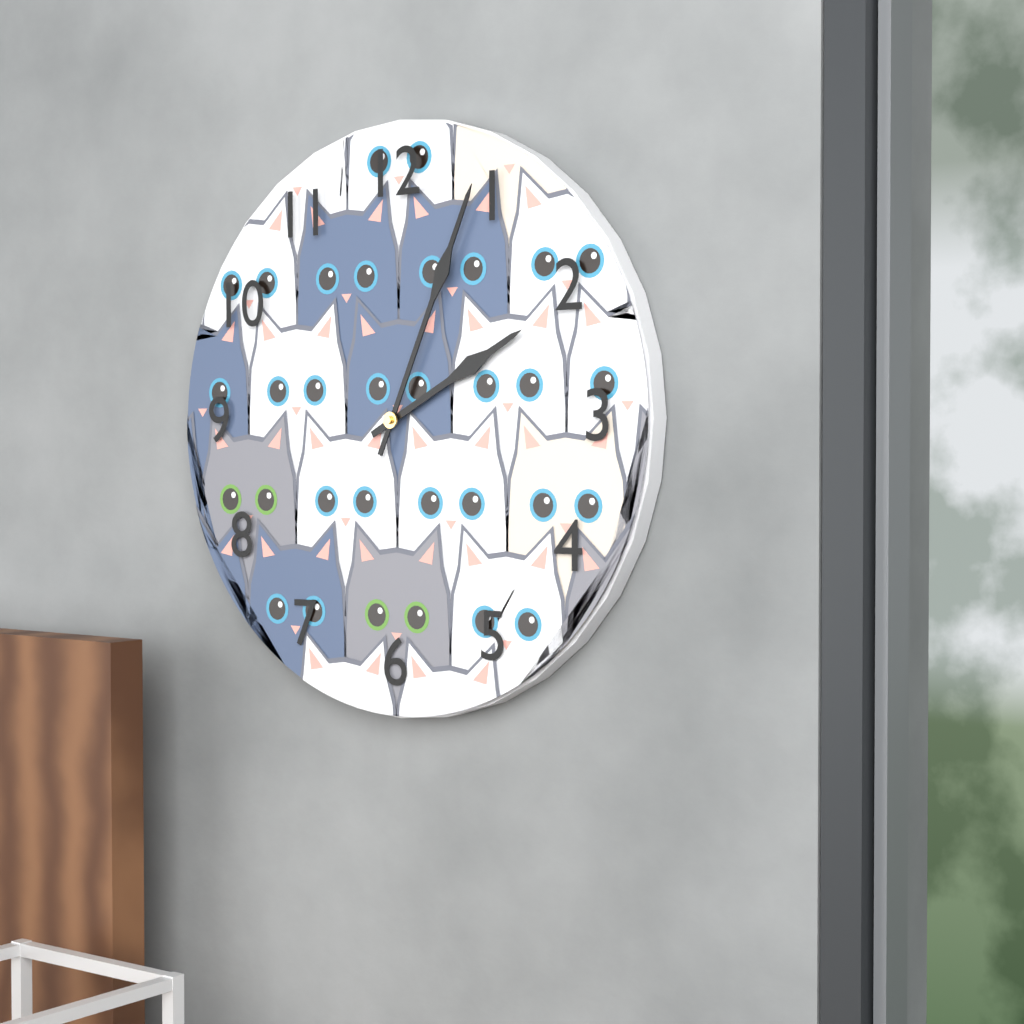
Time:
2h04
